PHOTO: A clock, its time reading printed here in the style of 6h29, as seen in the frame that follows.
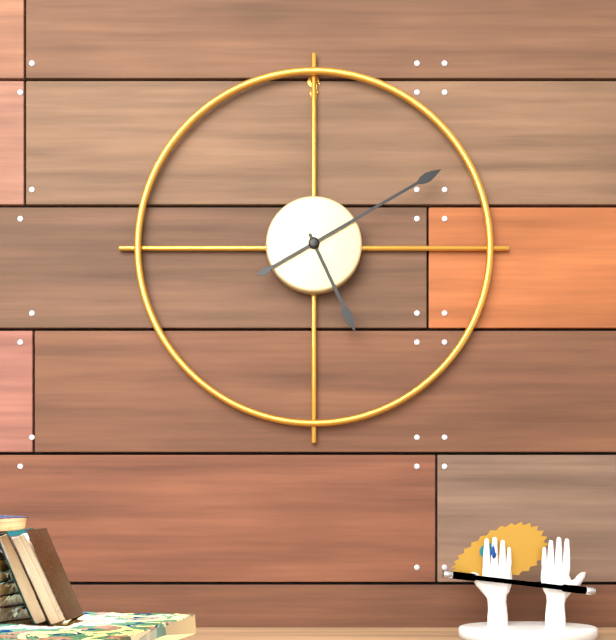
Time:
5h10
